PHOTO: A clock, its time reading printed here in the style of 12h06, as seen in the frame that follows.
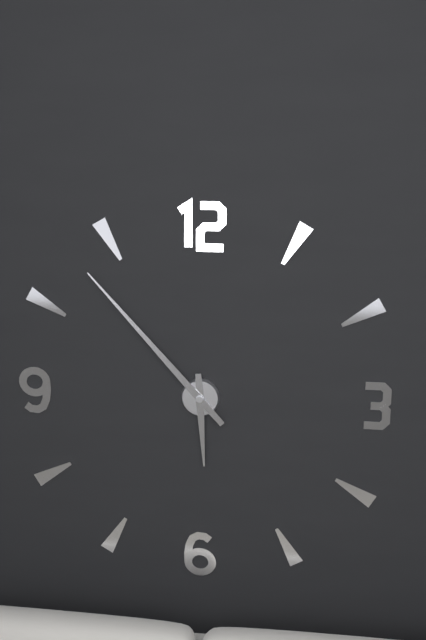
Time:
5h53
